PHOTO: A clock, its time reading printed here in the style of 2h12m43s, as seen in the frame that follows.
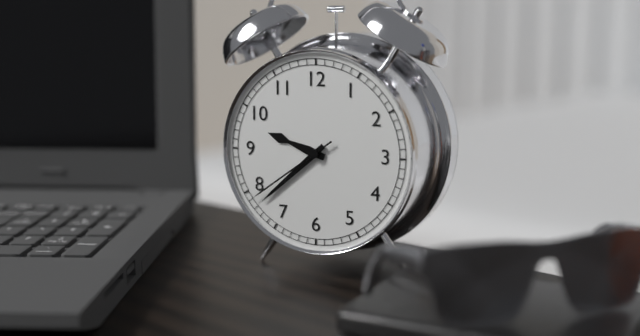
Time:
9h38m39s
